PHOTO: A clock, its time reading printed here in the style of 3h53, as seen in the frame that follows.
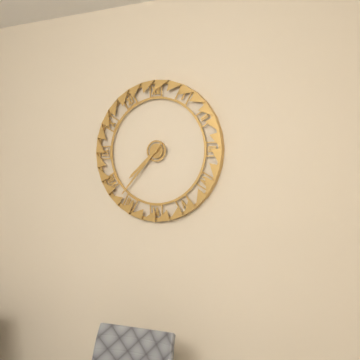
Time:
7h37
